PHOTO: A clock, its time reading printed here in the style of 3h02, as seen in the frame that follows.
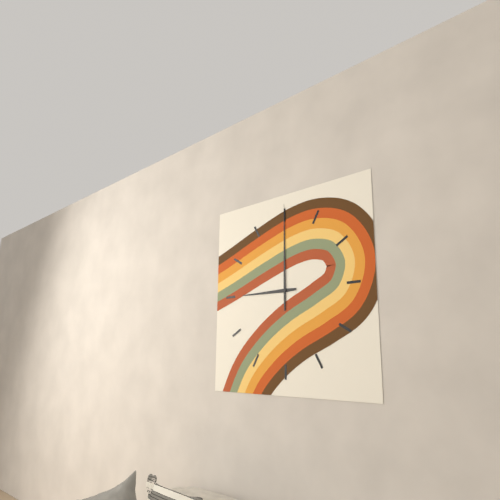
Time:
9h00
